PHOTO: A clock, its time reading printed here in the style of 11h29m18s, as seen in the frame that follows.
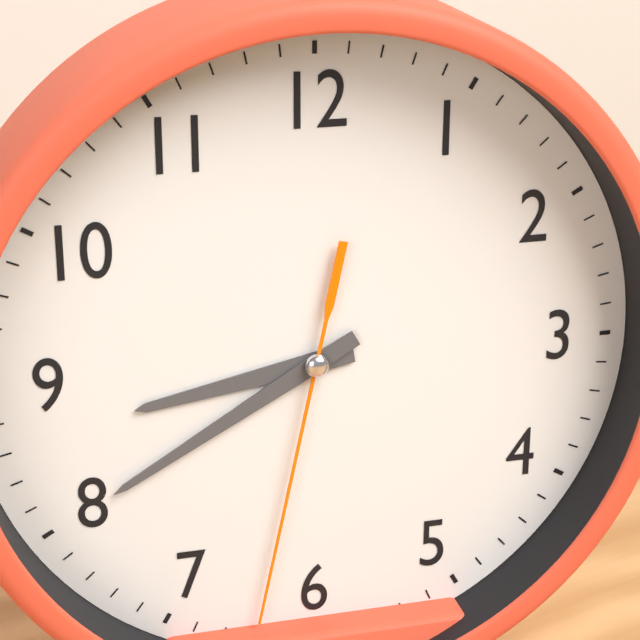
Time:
8h40m32s
